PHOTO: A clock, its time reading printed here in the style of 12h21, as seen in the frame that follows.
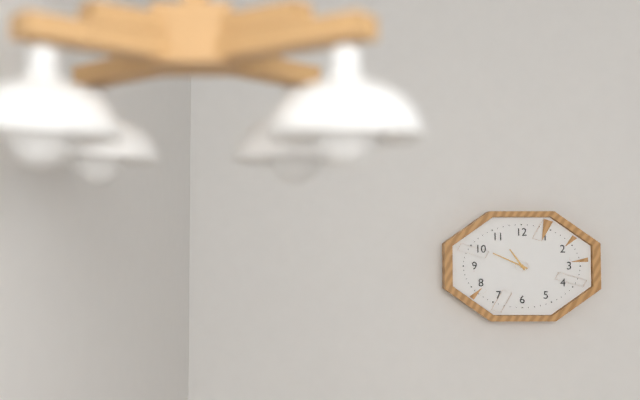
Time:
10h49
